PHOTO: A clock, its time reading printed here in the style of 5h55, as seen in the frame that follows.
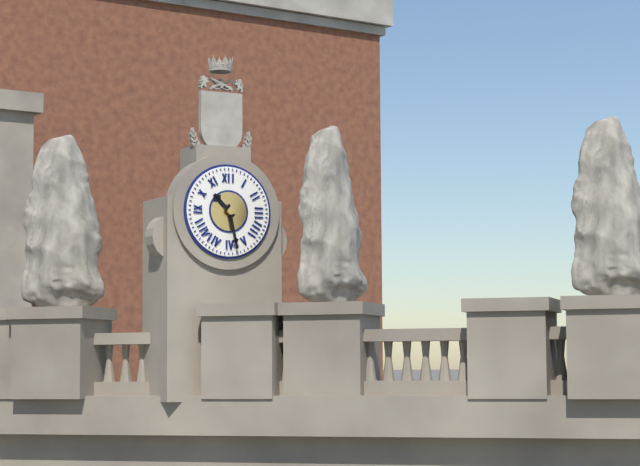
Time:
10h28
